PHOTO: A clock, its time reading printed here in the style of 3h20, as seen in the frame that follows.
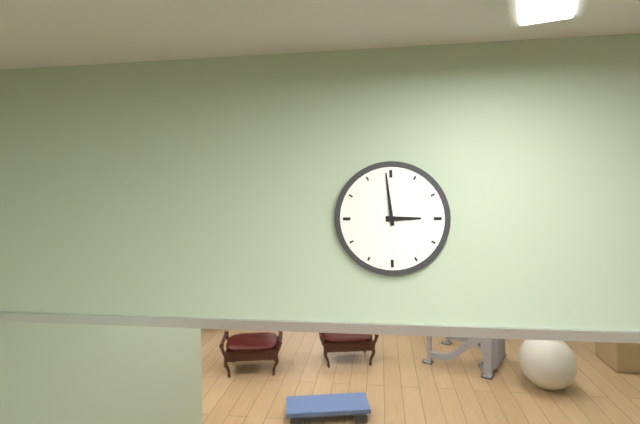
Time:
2h59
